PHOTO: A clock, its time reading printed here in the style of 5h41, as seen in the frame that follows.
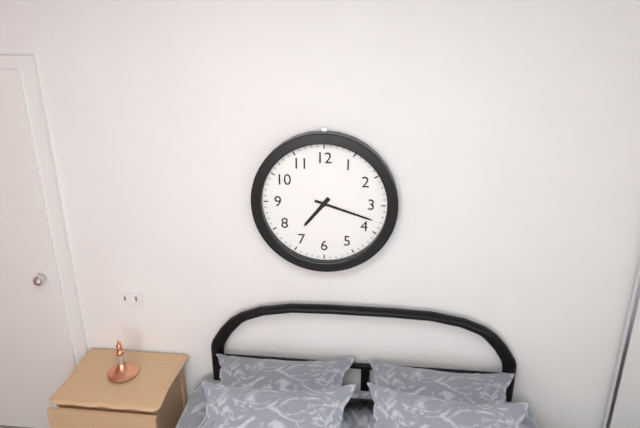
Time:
7h18
